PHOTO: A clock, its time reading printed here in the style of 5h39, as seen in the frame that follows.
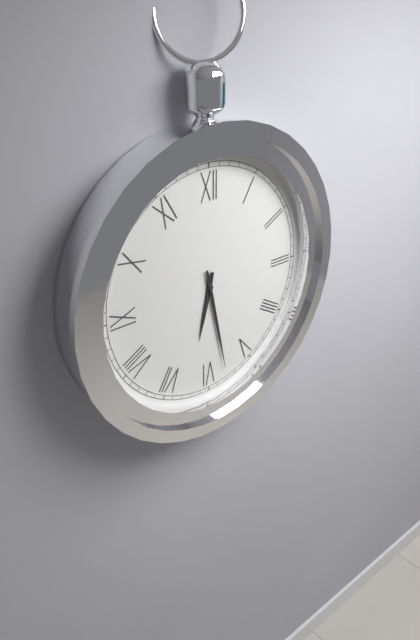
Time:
6h28
